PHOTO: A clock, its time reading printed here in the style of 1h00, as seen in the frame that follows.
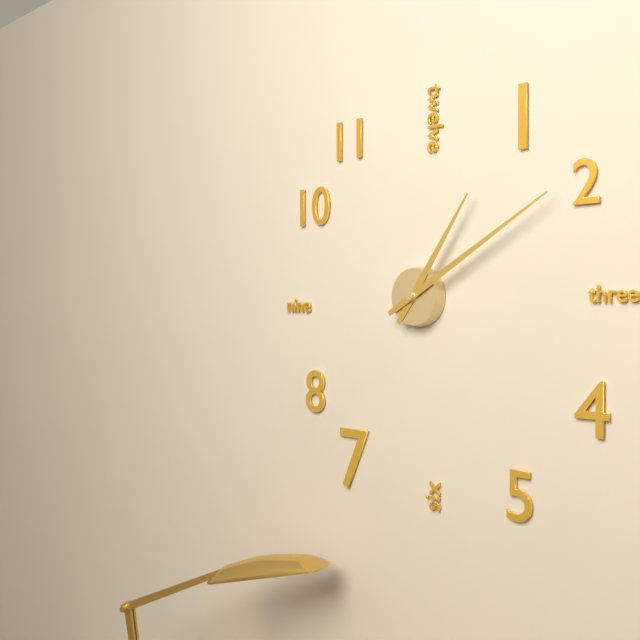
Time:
1h10
